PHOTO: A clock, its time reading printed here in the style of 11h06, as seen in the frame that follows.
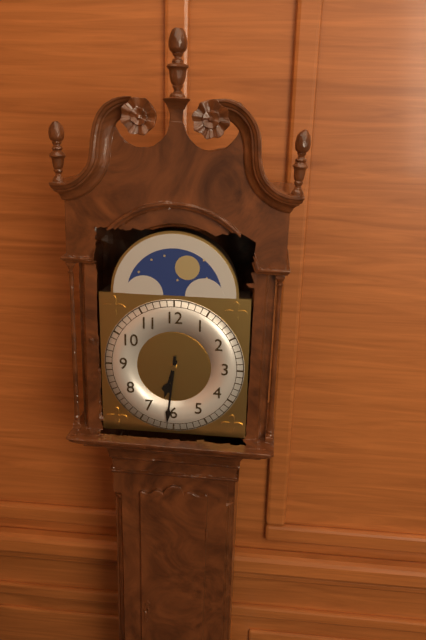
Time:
6h31
